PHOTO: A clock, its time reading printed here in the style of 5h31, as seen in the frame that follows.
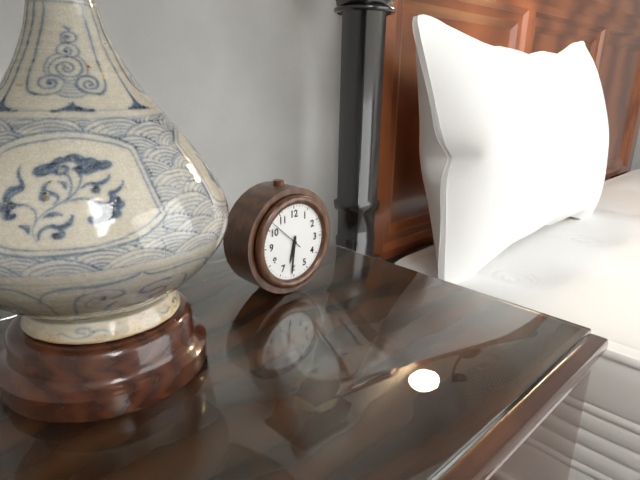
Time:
6h31
